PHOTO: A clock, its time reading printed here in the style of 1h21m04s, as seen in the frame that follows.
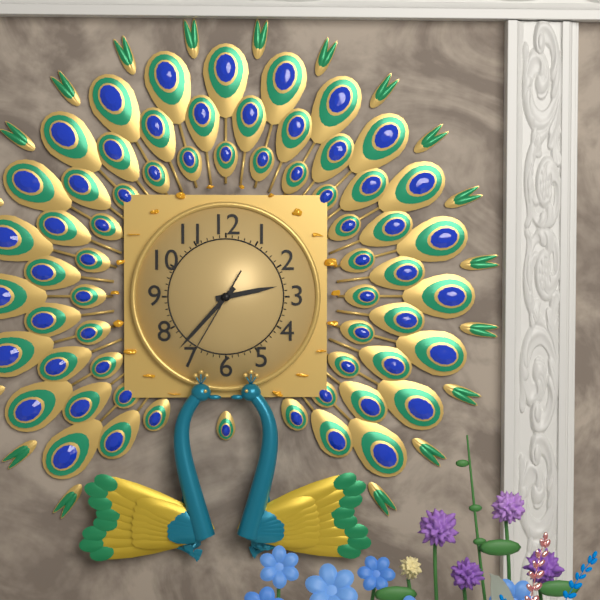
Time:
2h37m35s
